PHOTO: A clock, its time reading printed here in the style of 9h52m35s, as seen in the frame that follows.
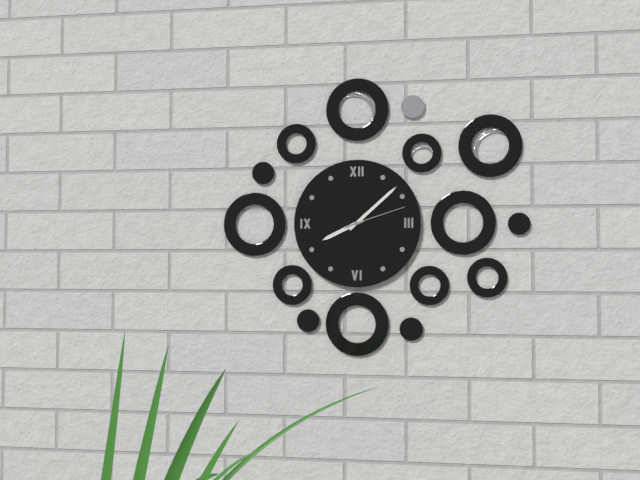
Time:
8h08m12s
